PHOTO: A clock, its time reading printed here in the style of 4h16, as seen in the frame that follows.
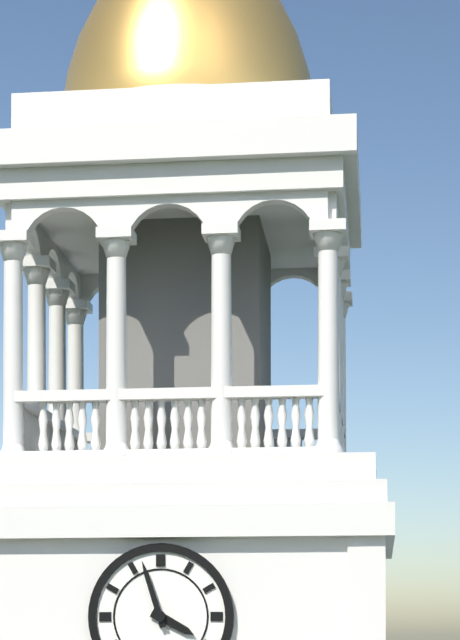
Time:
3h57
